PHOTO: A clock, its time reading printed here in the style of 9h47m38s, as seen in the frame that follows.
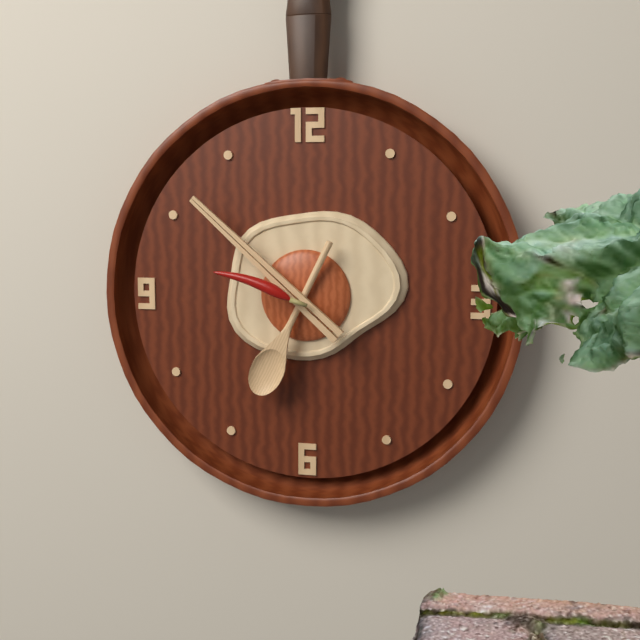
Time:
6h52m48s
